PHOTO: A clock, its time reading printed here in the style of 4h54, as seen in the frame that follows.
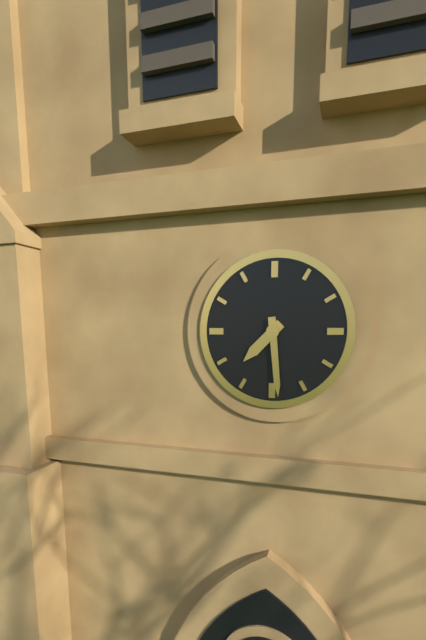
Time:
7h29
